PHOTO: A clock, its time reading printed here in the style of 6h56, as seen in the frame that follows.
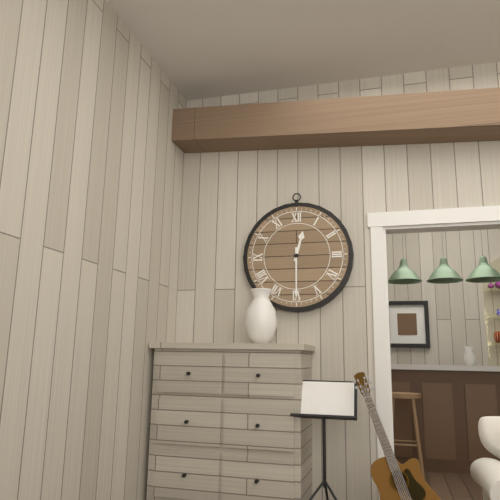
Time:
12h30
